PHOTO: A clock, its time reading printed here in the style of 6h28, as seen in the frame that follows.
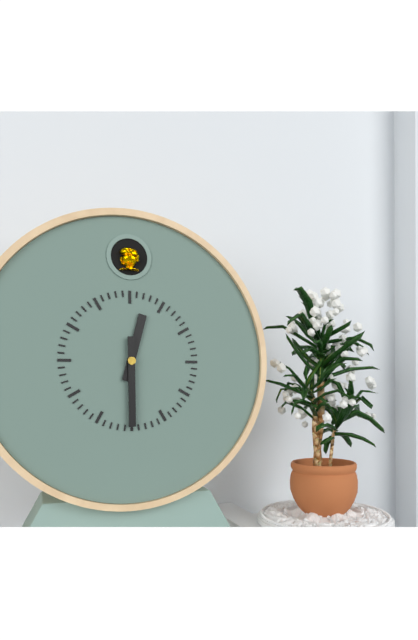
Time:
12h30
